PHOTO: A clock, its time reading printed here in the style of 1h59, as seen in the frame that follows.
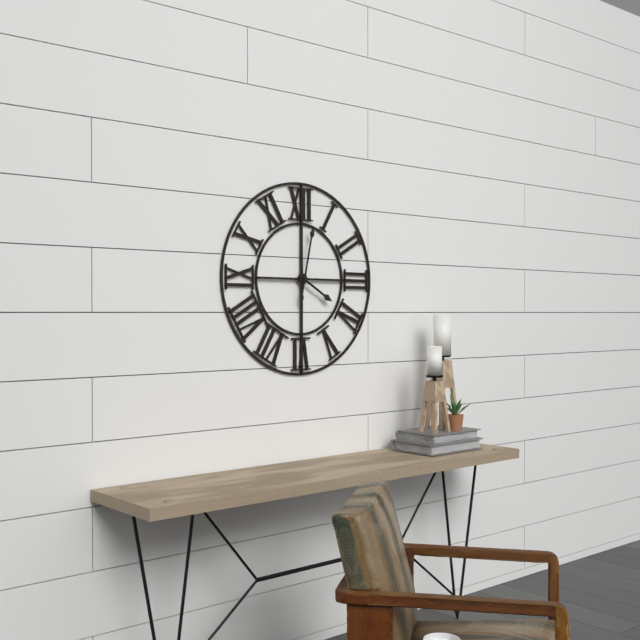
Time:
4h02
